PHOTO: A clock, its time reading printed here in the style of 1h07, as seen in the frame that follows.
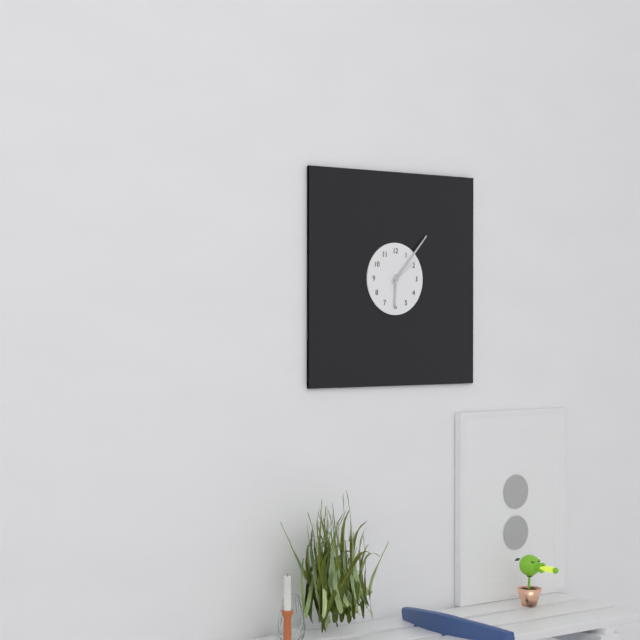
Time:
6h07
